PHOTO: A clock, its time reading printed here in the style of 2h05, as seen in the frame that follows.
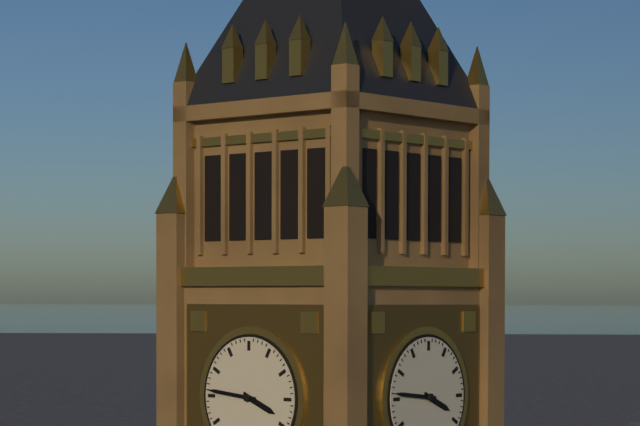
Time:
3h46
